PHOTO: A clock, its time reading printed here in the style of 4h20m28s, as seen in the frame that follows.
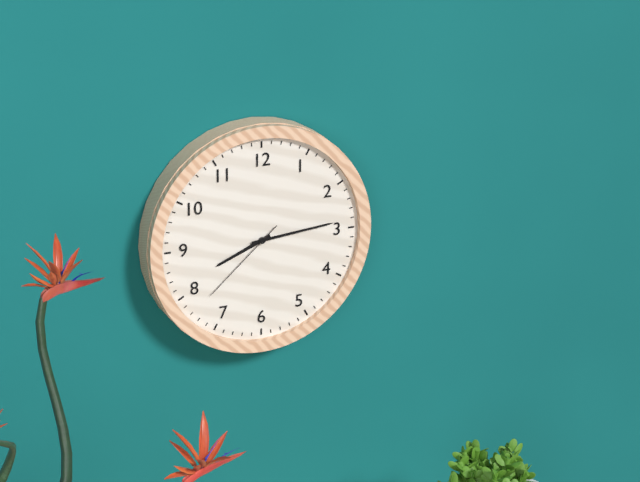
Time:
8h14m38s
